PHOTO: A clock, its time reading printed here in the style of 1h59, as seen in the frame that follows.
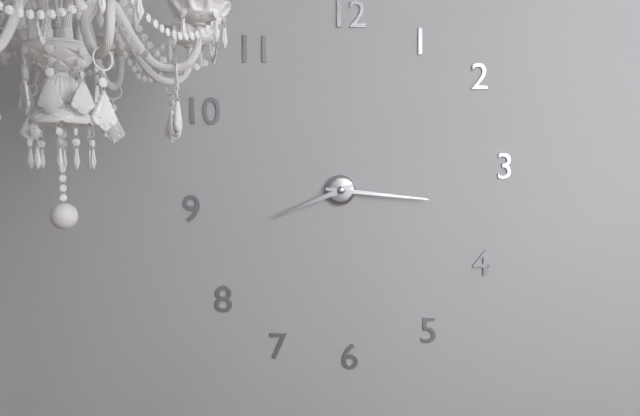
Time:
8h16
